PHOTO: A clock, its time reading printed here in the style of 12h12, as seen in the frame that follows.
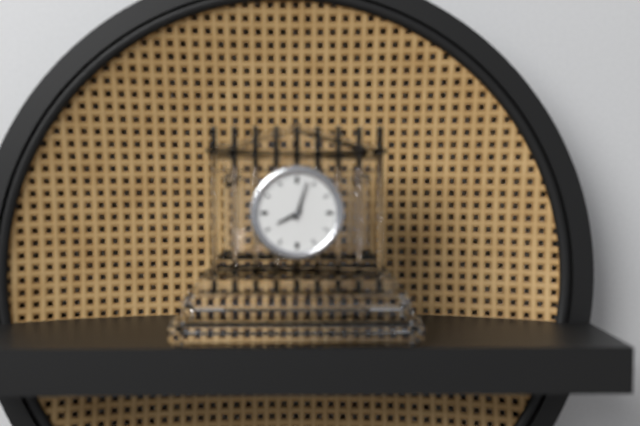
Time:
8h03
